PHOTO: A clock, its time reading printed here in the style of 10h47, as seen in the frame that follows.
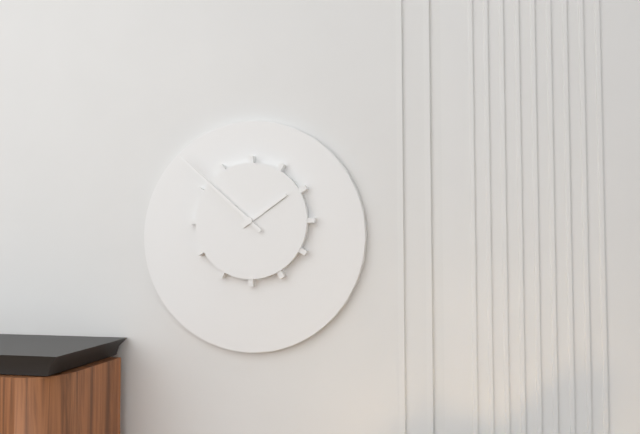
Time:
1h52
